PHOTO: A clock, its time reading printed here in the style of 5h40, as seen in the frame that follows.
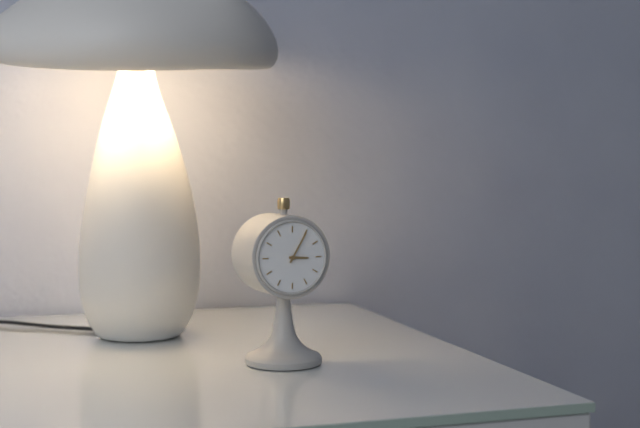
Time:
3h05
